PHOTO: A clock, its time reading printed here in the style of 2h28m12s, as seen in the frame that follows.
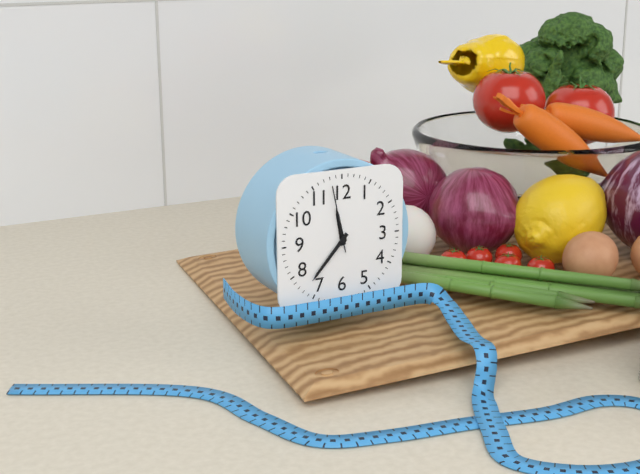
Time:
11h37m58s
